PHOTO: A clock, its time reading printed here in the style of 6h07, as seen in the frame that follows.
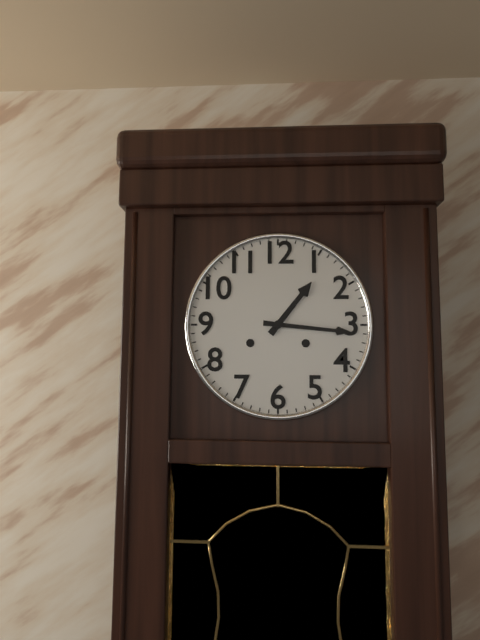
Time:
1h16
